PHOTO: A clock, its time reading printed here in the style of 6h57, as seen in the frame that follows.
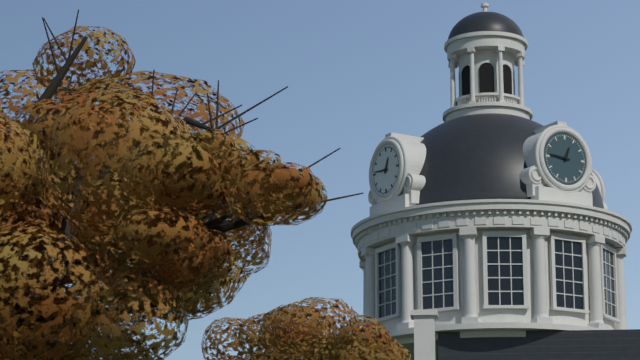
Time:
12h46
